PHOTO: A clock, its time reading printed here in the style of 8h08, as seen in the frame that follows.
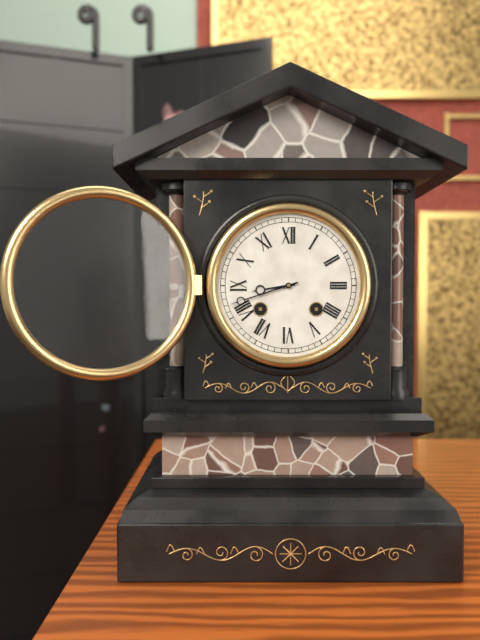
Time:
8h42
